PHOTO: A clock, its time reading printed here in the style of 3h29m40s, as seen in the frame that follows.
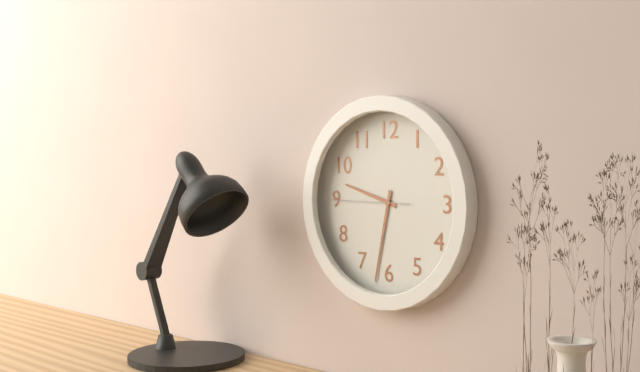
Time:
9h32m45s
